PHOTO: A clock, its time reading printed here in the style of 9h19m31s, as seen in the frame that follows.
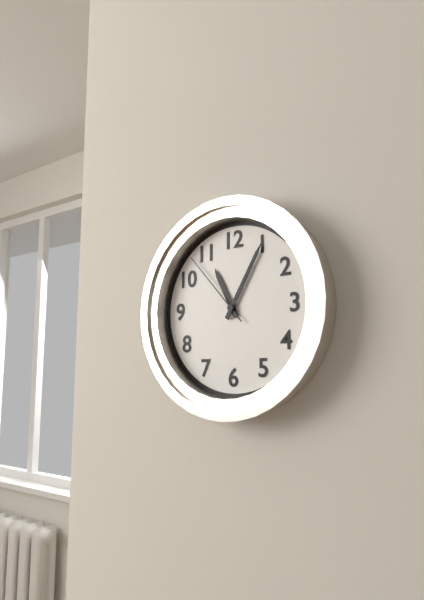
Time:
11h05m53s
